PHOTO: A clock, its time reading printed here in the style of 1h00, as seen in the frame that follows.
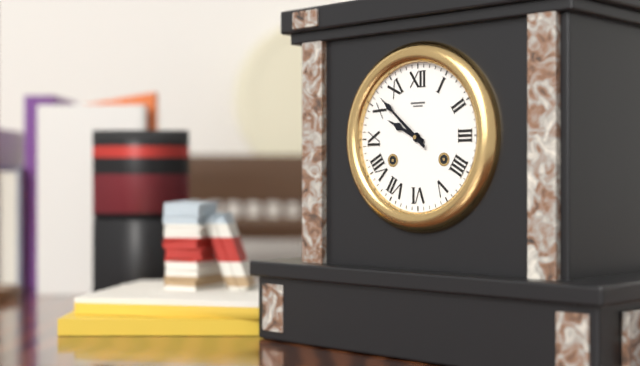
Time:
9h52
